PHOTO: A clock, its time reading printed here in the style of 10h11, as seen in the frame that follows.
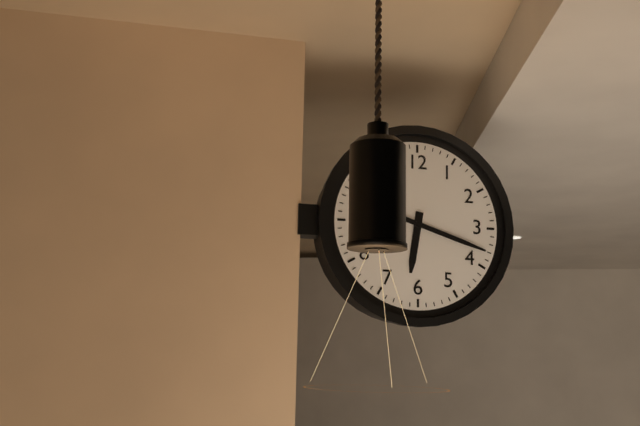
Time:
6h18
